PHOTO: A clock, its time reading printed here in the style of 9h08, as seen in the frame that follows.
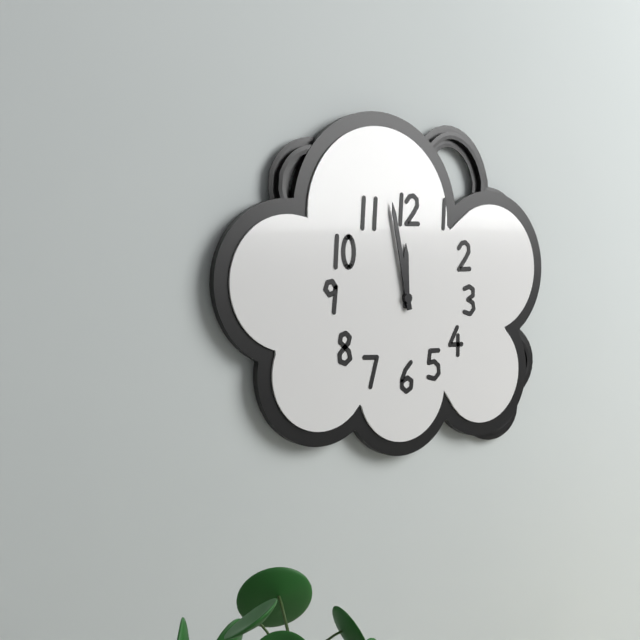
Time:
11h58
